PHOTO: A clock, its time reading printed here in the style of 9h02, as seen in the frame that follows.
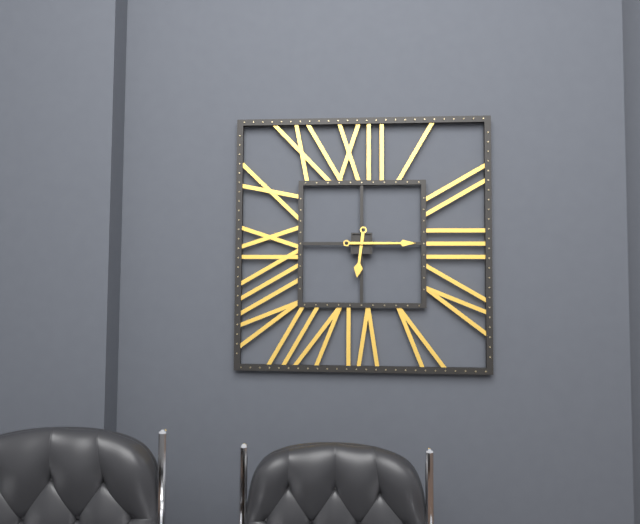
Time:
6h15
